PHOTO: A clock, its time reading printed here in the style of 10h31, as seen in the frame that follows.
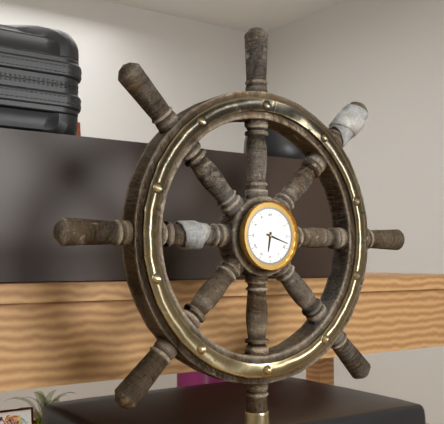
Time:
6h18
